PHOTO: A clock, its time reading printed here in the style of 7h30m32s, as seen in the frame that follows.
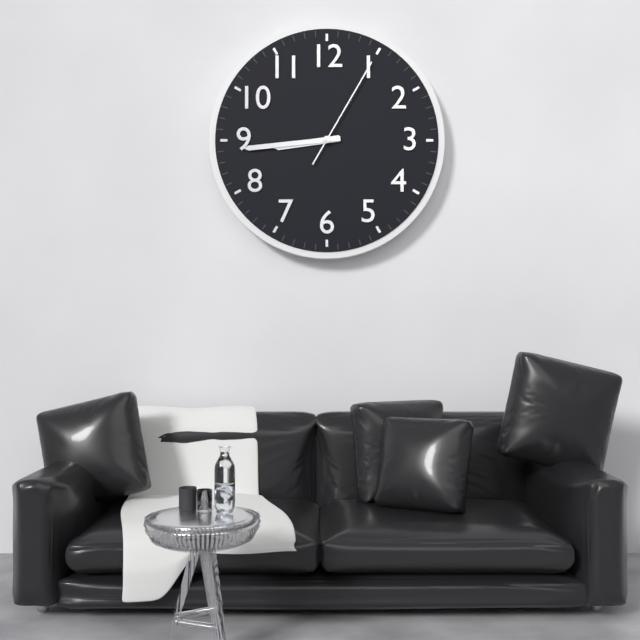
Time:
8h44m05s
